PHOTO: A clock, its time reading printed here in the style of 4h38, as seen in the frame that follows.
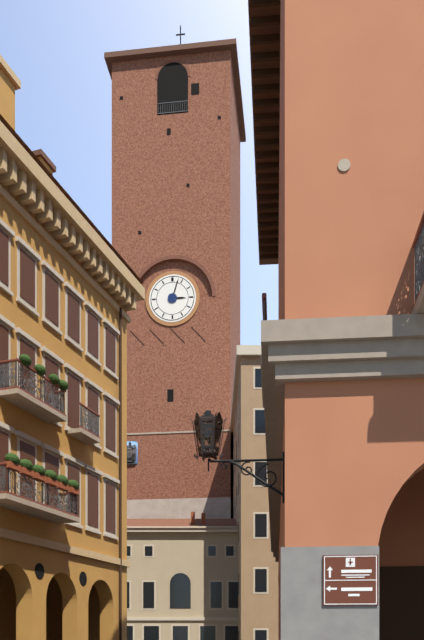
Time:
3h03
